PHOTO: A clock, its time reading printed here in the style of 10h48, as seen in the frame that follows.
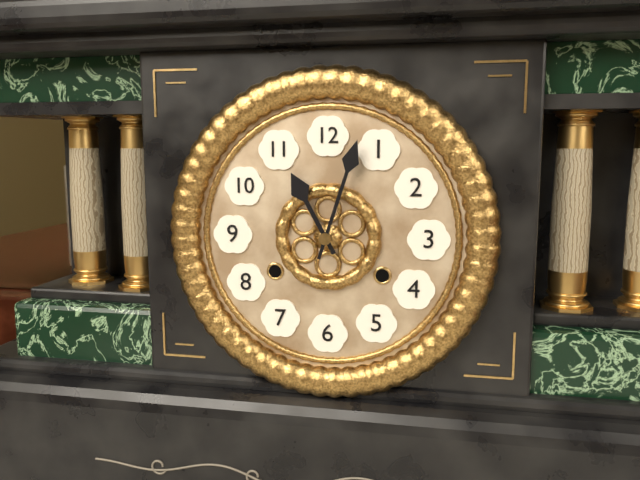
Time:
11h03
